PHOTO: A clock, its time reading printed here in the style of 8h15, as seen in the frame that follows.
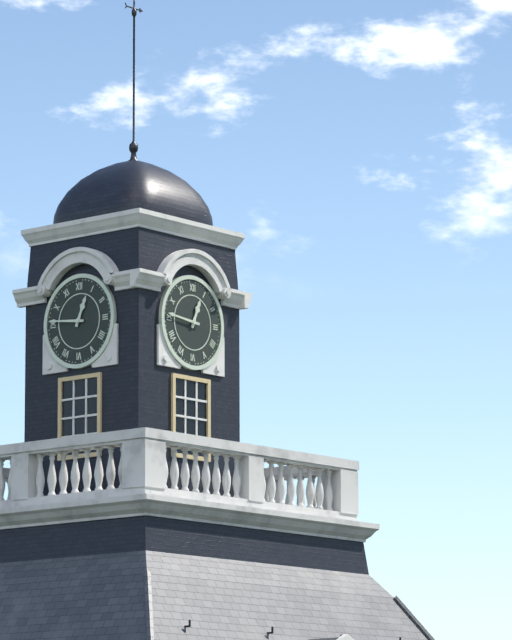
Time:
12h46
